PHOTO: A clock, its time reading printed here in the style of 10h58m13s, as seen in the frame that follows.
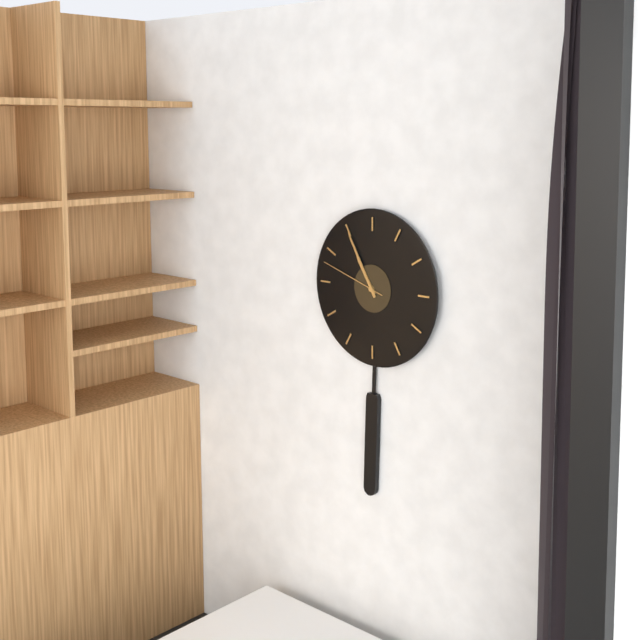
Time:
10h55m48s
